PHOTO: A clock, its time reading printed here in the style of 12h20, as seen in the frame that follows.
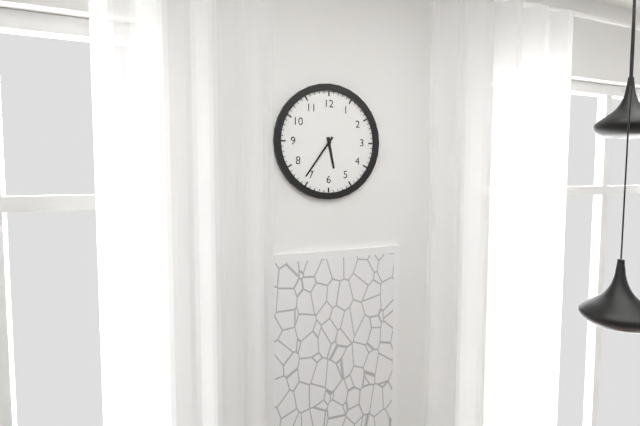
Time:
5h36
